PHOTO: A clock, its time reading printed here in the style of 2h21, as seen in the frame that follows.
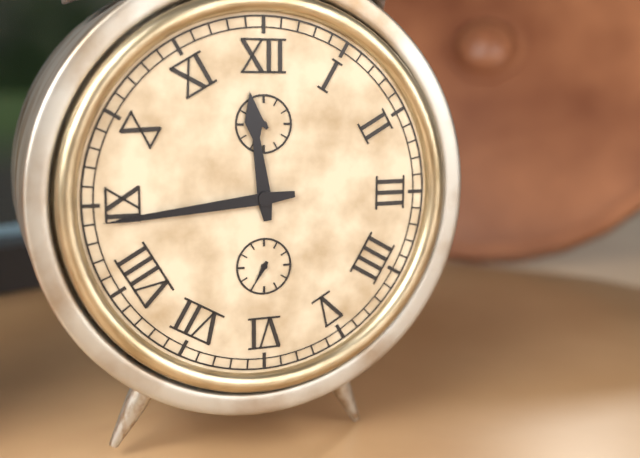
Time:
11h44
